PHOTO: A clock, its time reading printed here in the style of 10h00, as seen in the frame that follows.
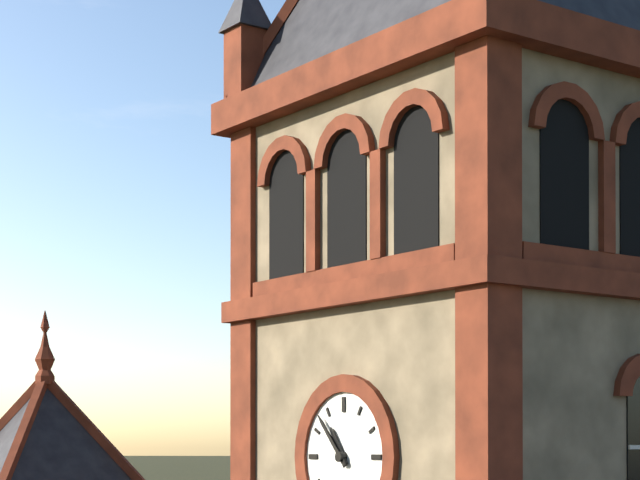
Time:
10h53
